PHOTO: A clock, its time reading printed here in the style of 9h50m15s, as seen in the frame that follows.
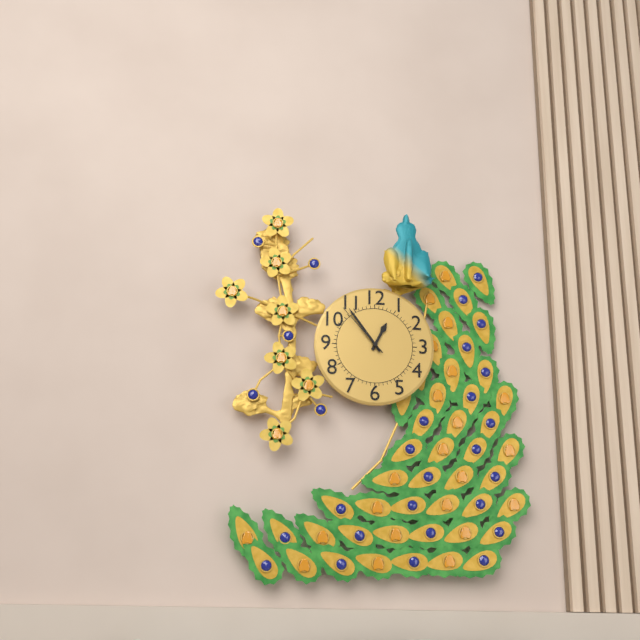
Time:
12h54m53s
